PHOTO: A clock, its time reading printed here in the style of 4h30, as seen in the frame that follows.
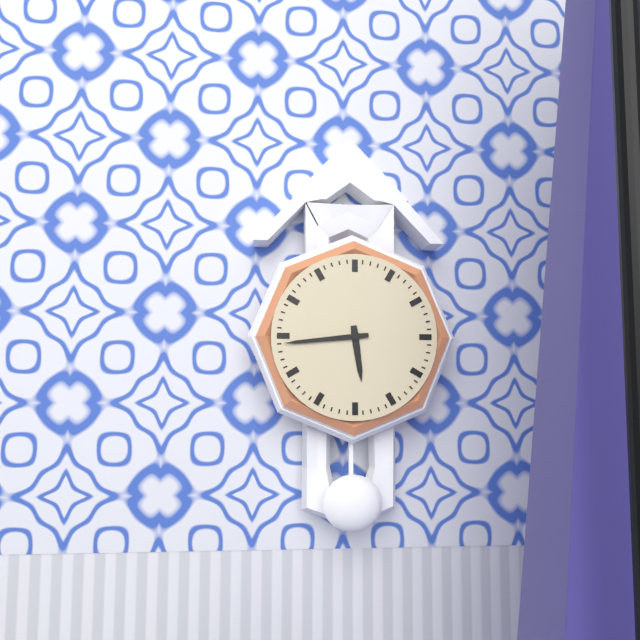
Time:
5h44
